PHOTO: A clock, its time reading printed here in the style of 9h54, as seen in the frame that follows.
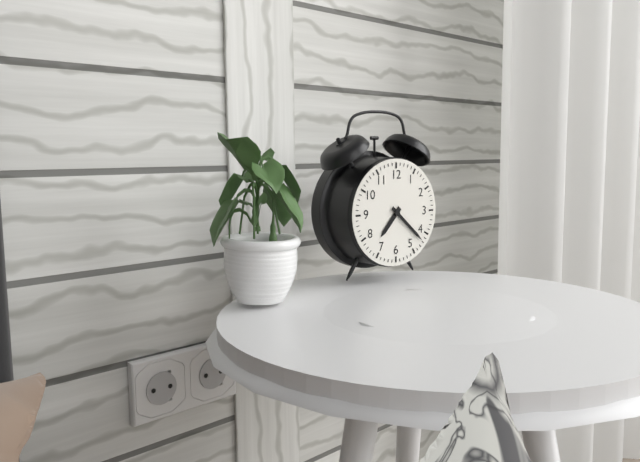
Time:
7h22
